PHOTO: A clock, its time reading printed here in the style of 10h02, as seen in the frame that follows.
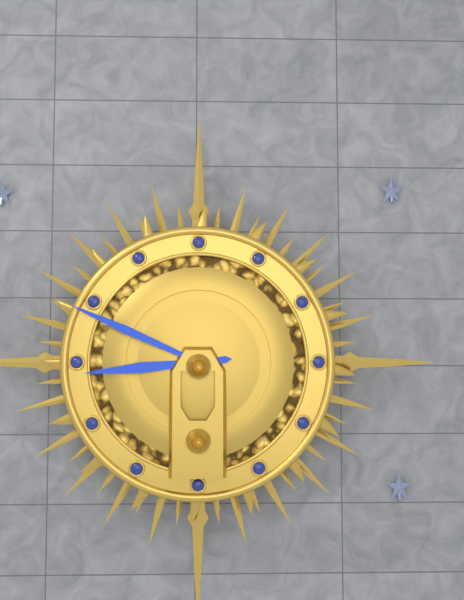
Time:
8h49
